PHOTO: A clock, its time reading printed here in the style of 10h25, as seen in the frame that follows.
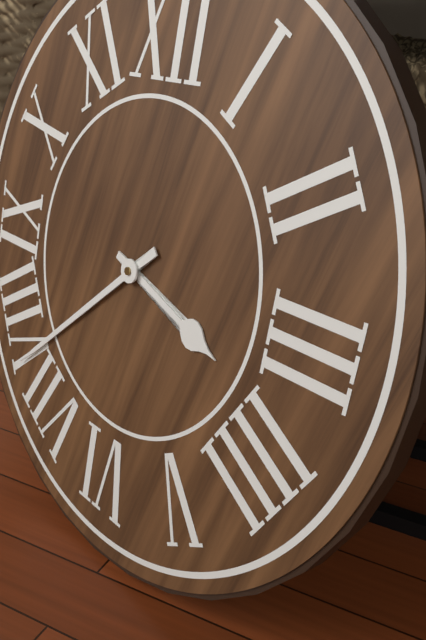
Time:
3h38
